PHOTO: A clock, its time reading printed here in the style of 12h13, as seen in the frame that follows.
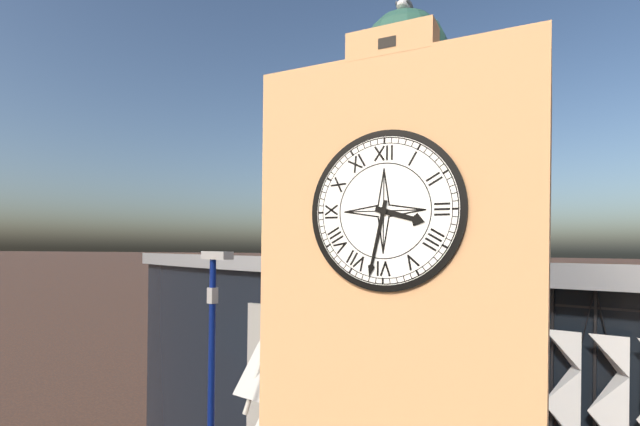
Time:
3h32
